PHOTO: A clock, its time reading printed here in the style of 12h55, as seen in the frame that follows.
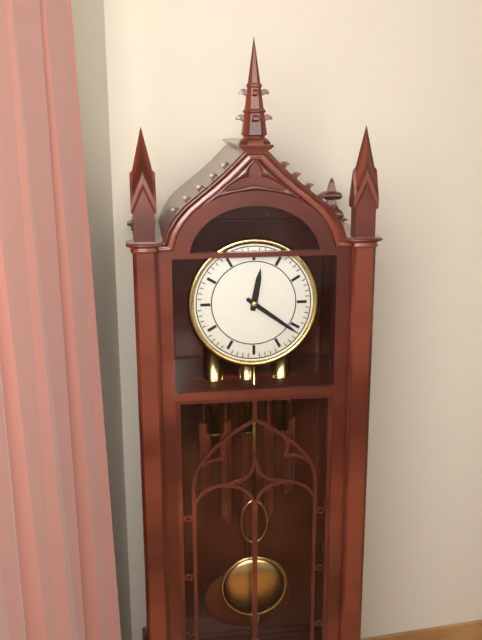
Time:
12h21
